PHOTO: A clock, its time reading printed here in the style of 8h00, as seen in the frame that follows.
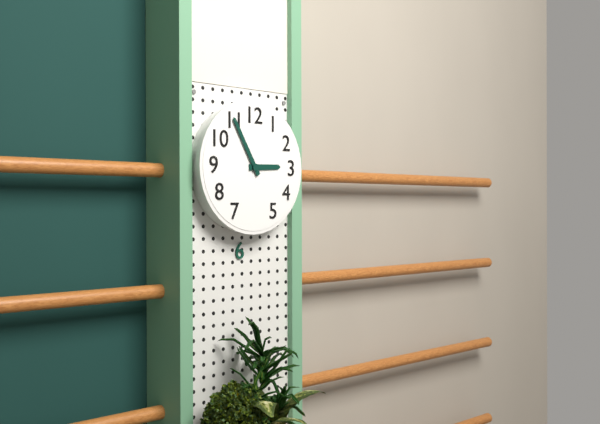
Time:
2h55
